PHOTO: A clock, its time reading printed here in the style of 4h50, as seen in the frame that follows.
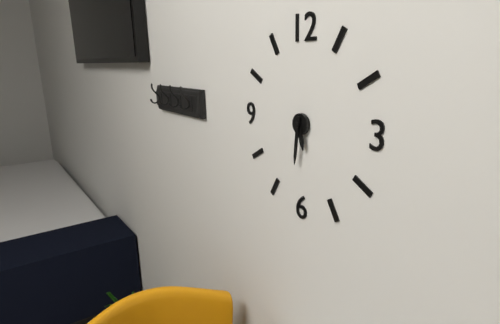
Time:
5h31
